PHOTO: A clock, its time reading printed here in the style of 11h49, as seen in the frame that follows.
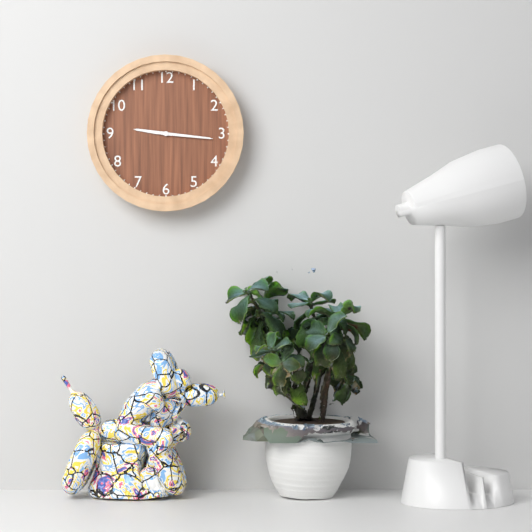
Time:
9h16
